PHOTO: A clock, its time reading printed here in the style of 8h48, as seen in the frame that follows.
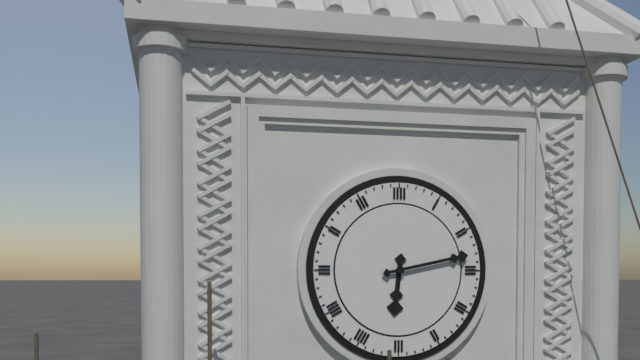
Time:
6h13
